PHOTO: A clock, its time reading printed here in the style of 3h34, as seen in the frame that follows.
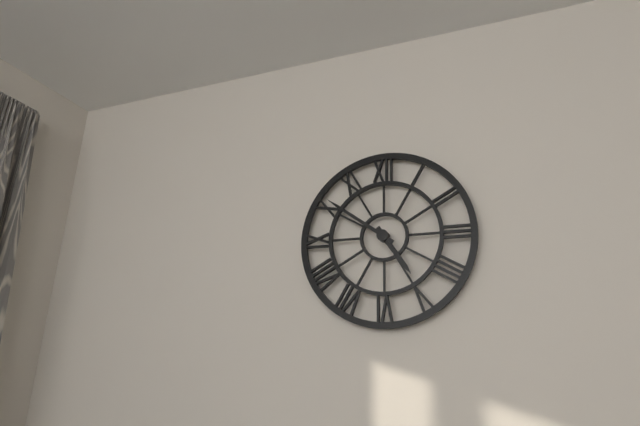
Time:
4h51
